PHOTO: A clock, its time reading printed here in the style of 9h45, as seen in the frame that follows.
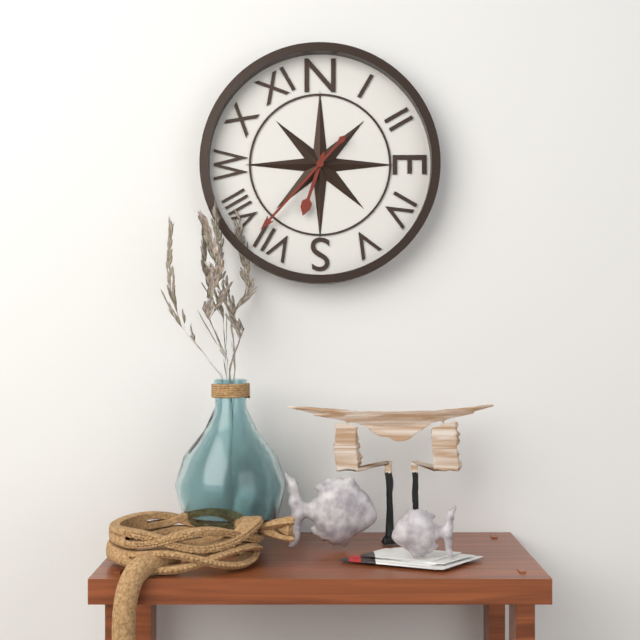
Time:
6h37
